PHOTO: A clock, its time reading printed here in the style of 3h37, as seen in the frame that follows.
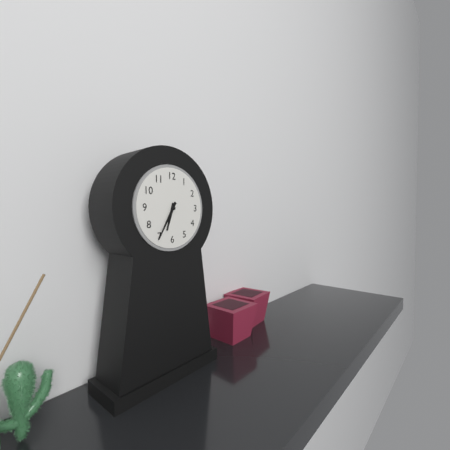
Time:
6h35
